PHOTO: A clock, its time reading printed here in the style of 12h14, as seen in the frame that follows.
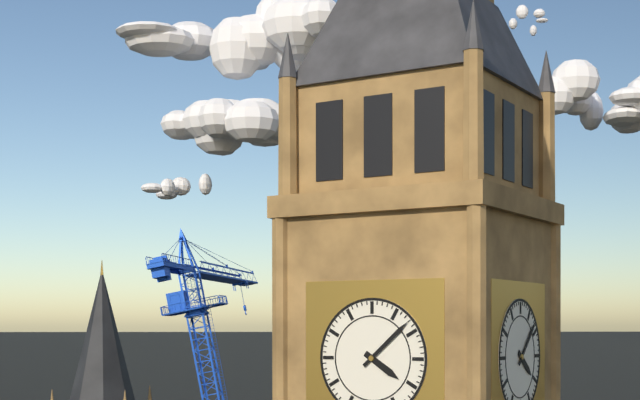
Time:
4h08
